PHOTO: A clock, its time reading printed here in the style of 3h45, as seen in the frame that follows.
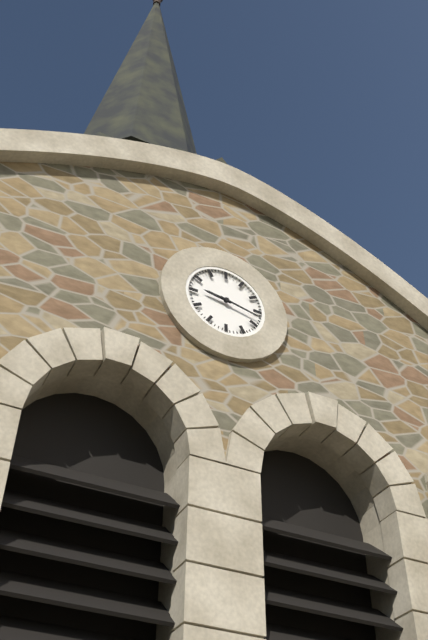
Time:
9h17
